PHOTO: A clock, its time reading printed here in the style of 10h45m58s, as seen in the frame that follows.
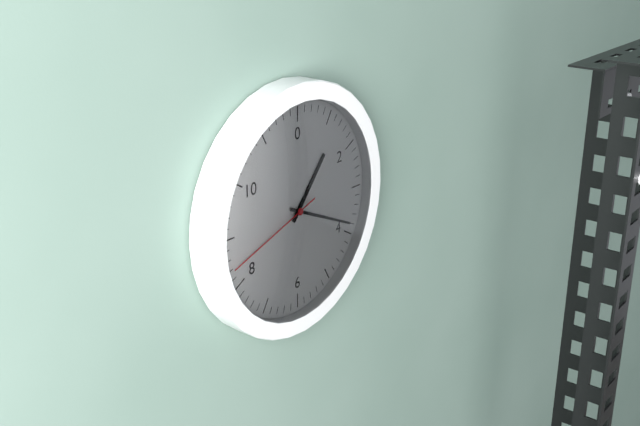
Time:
1h19m42s
